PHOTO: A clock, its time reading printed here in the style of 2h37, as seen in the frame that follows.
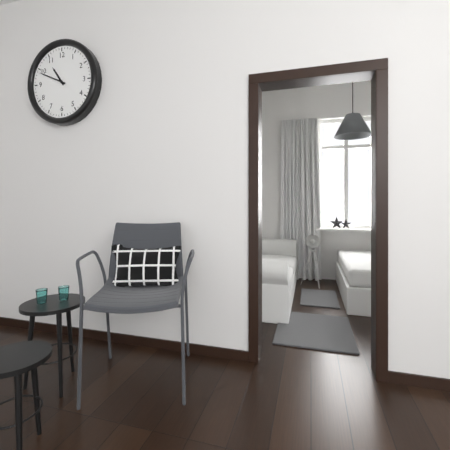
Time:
10h49
